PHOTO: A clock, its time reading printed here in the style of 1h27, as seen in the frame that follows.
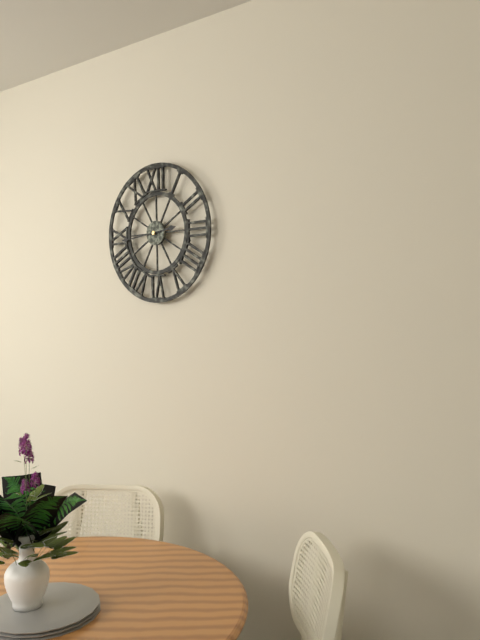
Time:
2h44
